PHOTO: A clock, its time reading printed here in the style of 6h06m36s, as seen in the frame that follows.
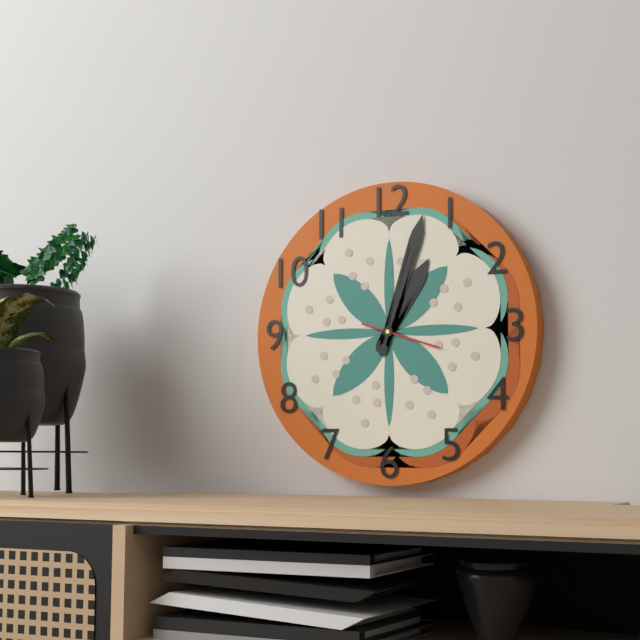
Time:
1h03m18s
